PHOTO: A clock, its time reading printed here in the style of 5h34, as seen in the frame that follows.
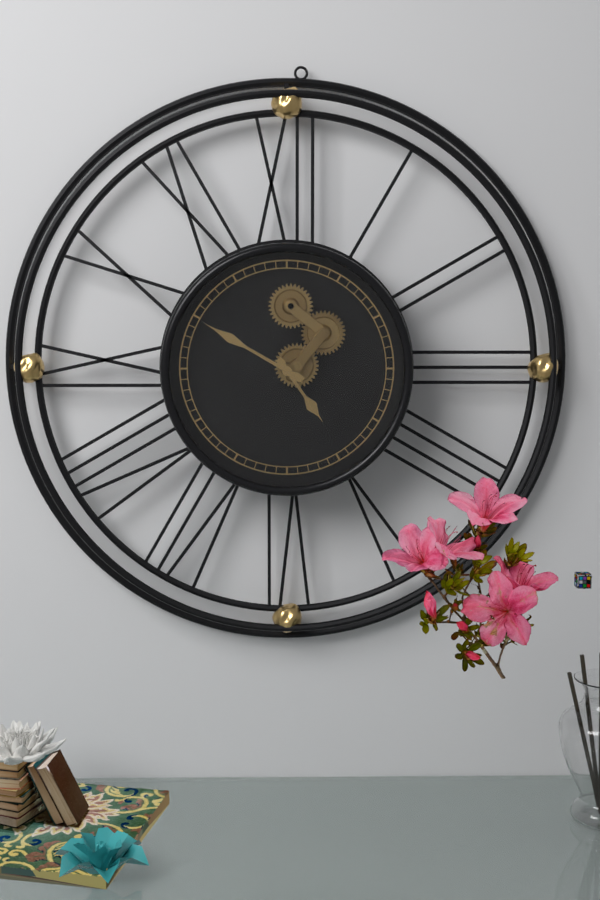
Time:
4h50
